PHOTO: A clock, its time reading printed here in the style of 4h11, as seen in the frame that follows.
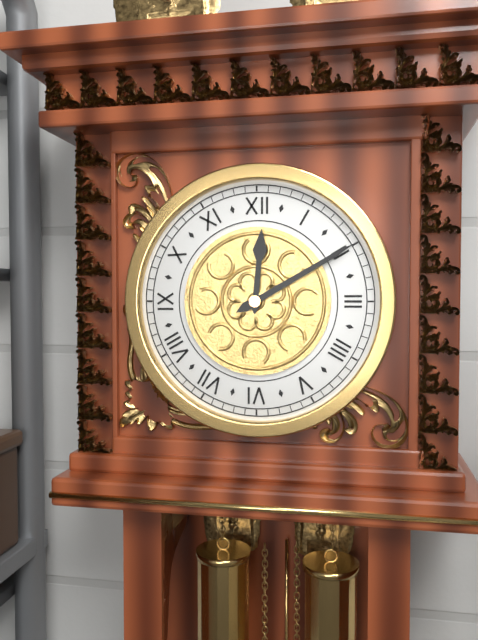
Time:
12h10
